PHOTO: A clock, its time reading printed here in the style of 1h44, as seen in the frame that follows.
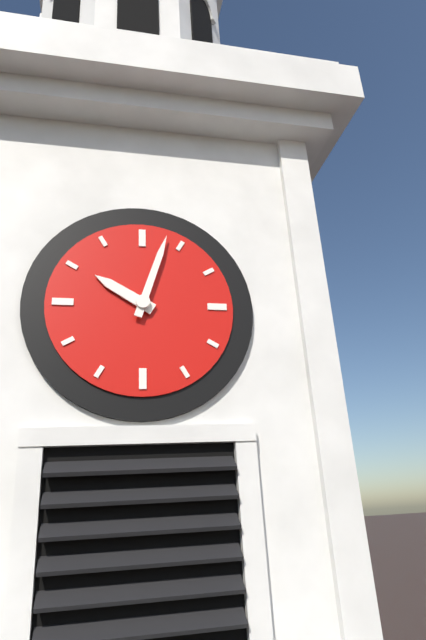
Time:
10h03
